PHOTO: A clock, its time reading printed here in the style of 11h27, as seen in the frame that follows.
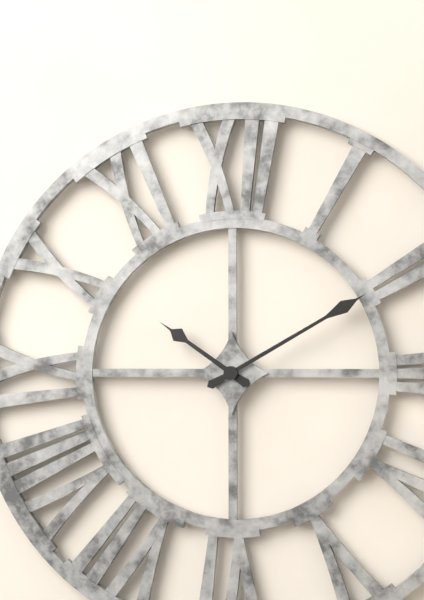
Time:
10h10
